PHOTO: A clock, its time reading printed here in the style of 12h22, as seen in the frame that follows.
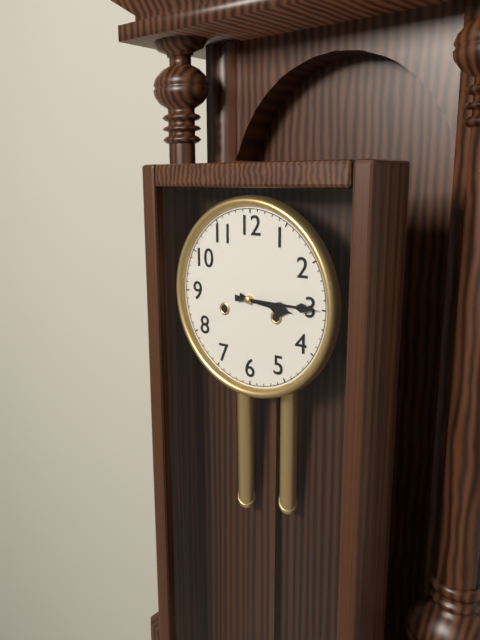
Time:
3h15
